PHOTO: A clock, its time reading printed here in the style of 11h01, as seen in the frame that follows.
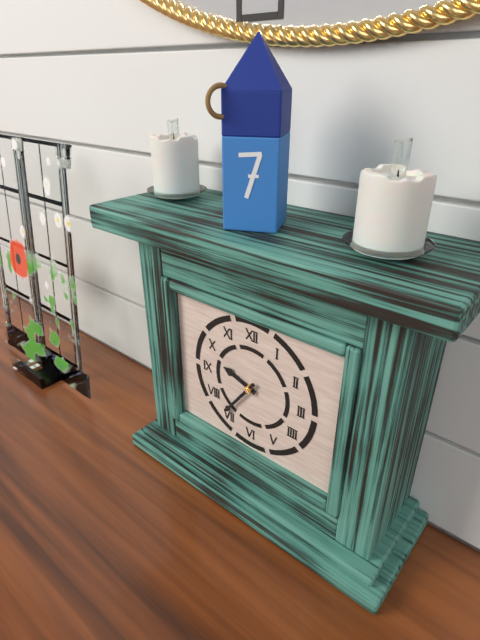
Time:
9h36
